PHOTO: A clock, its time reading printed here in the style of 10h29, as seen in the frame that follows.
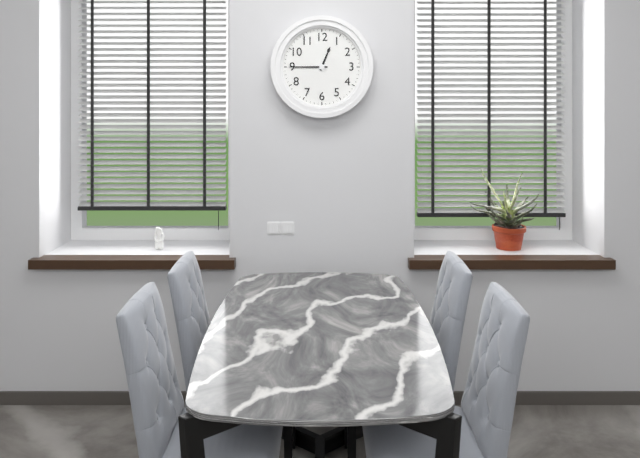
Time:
12h45
